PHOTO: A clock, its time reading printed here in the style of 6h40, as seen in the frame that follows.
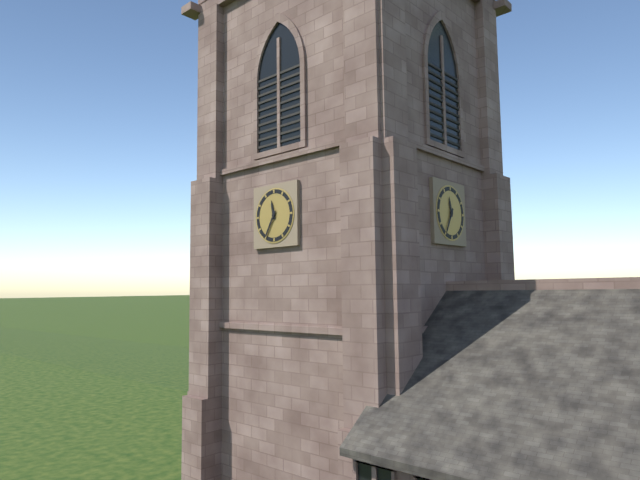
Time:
11h35
